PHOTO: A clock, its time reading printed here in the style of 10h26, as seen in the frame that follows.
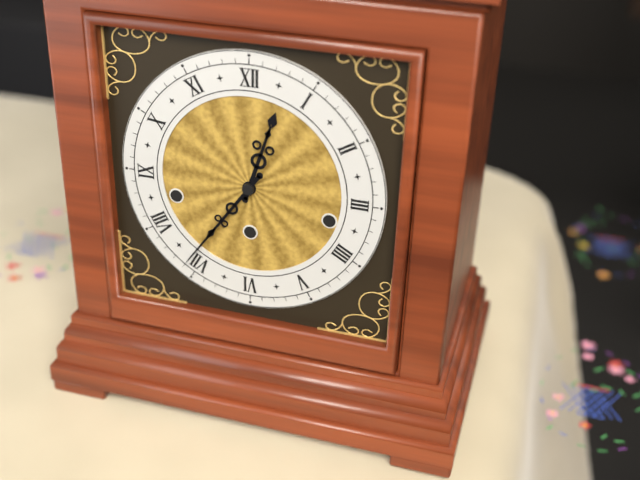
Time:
12h36
